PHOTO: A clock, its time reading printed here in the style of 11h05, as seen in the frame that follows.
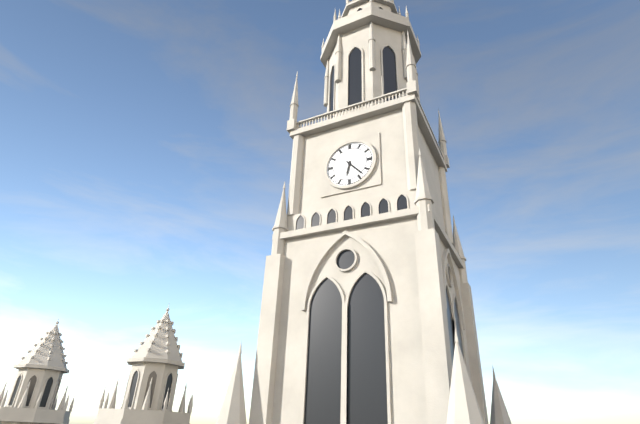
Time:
6h23
